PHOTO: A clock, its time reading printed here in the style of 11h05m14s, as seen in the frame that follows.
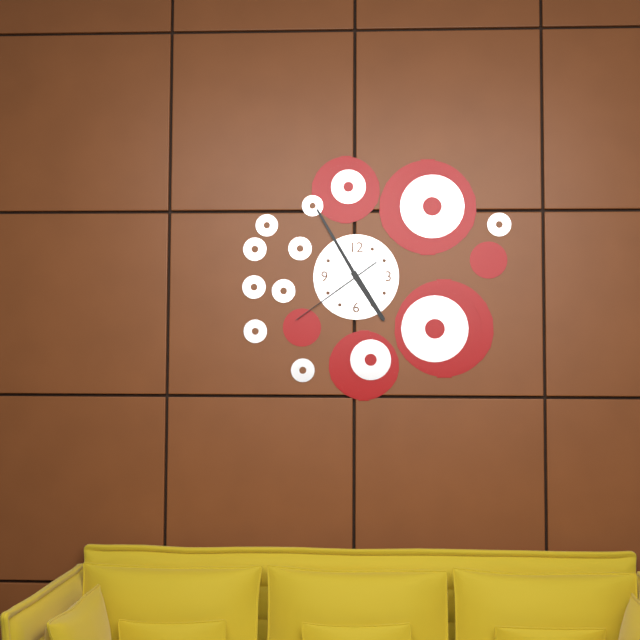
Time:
4h55m39s
